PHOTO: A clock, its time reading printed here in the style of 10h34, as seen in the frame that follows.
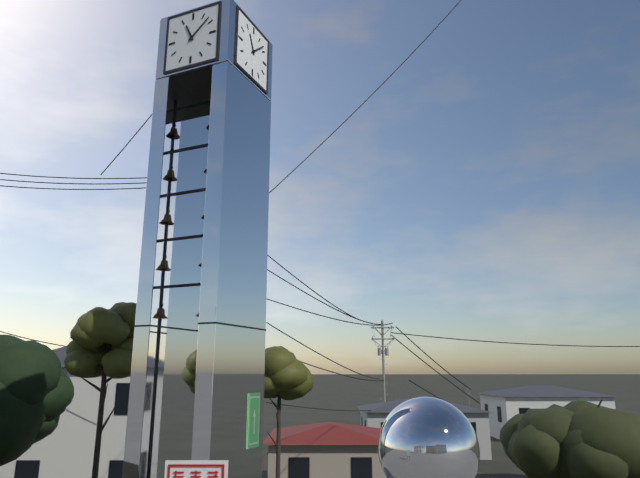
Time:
11h08
